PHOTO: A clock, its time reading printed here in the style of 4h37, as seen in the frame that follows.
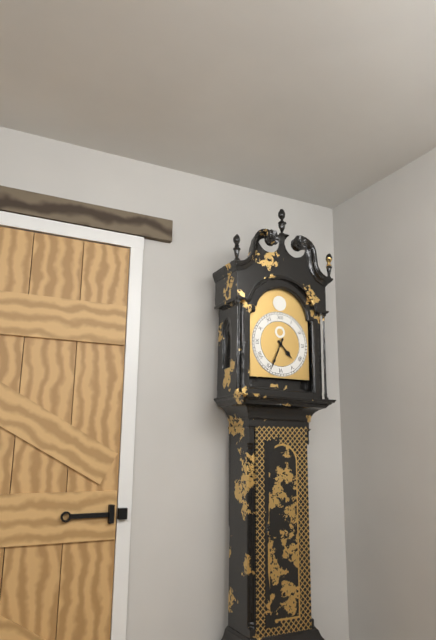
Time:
4h34
